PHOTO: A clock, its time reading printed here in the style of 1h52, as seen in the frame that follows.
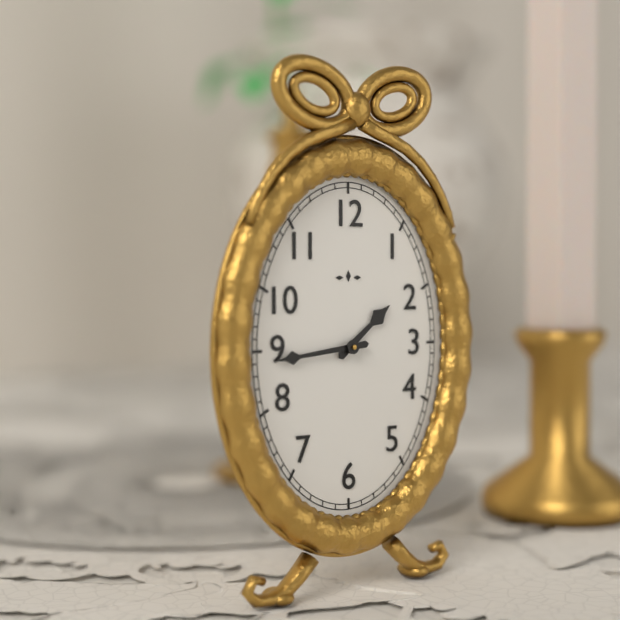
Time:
1h44
